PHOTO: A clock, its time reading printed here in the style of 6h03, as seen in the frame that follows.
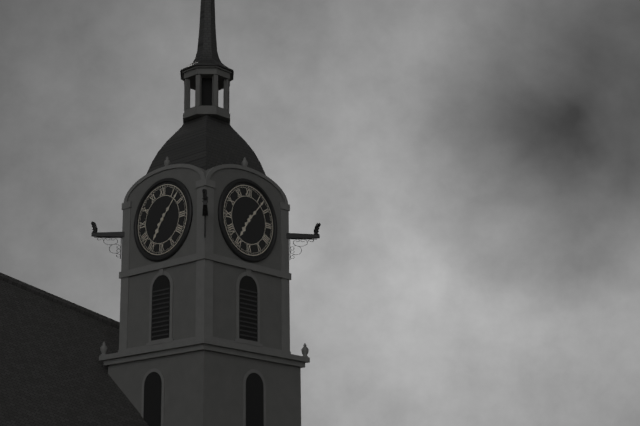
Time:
7h07
